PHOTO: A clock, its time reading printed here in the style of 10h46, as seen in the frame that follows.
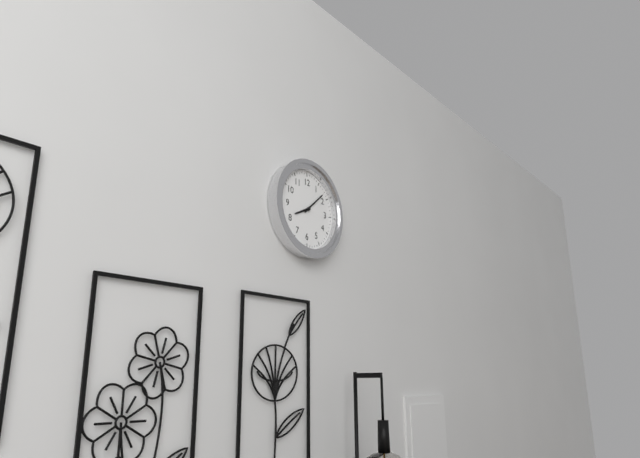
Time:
8h08
